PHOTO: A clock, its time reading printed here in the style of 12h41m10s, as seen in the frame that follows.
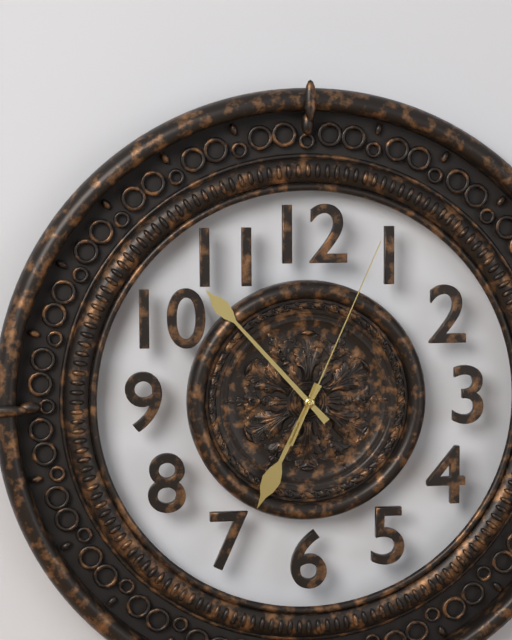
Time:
6h53m04s
